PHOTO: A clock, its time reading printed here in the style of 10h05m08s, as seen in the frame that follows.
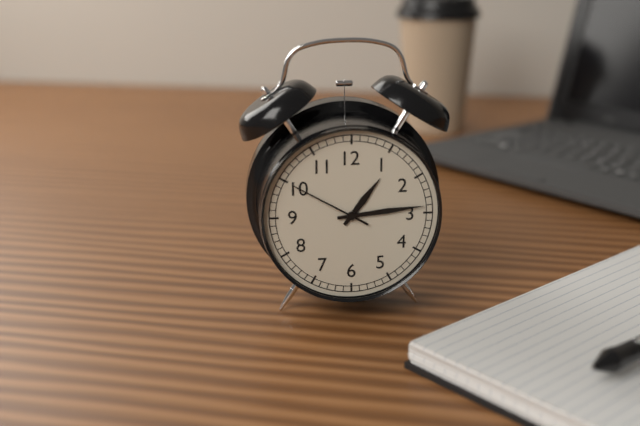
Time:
1h14m50s
